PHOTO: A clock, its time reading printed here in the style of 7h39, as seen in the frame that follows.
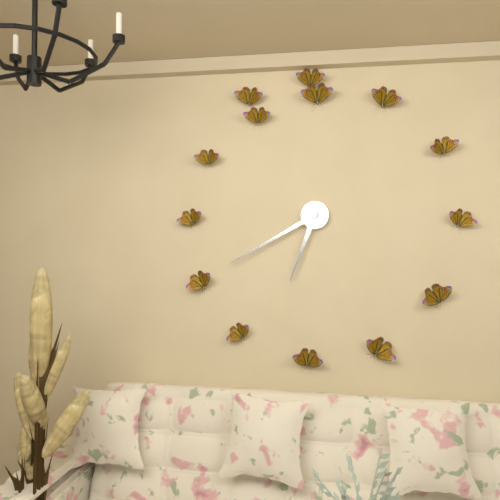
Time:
6h40
